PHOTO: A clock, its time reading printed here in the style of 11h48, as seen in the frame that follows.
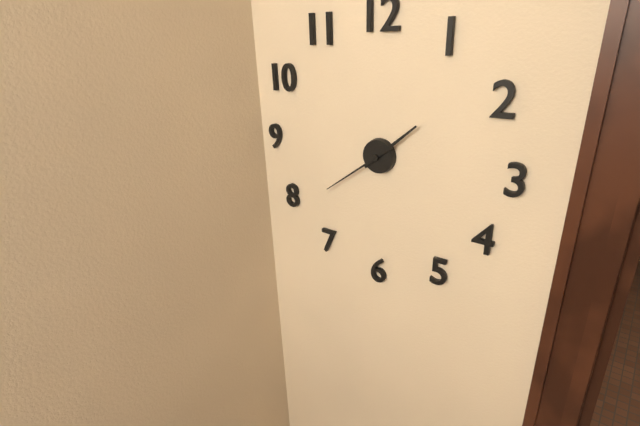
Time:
1h39
